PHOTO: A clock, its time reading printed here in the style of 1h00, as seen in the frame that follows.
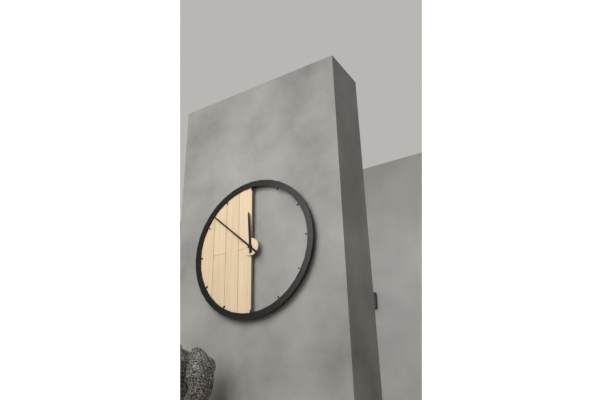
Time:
11h52
